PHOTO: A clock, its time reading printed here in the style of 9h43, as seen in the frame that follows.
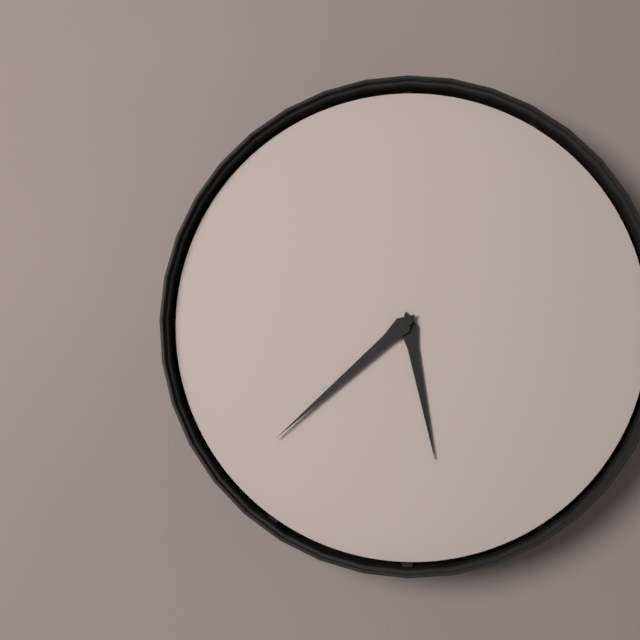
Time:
5h38
